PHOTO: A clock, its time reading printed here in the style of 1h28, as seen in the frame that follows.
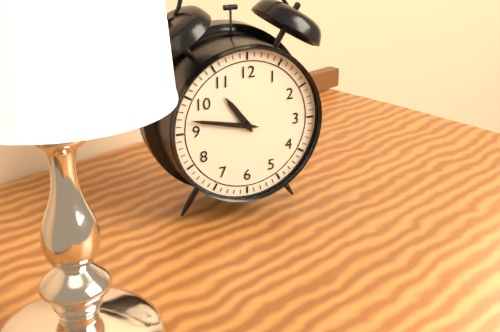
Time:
10h47
